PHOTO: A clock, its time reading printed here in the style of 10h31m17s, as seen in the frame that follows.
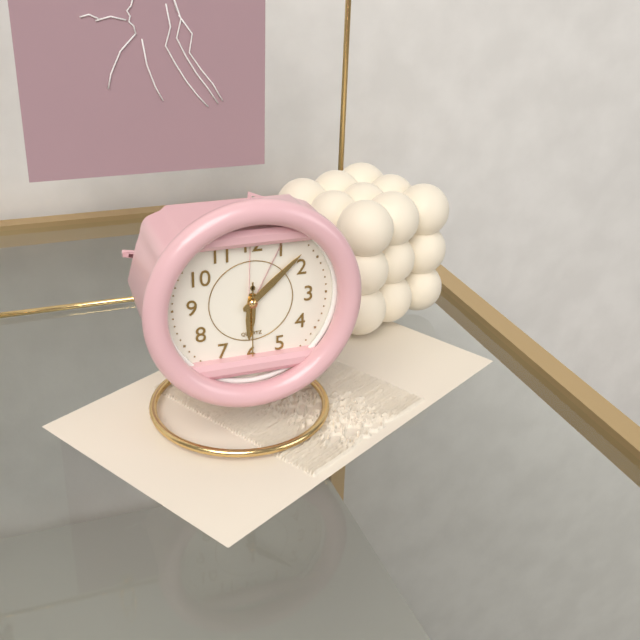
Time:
6h08m30s
